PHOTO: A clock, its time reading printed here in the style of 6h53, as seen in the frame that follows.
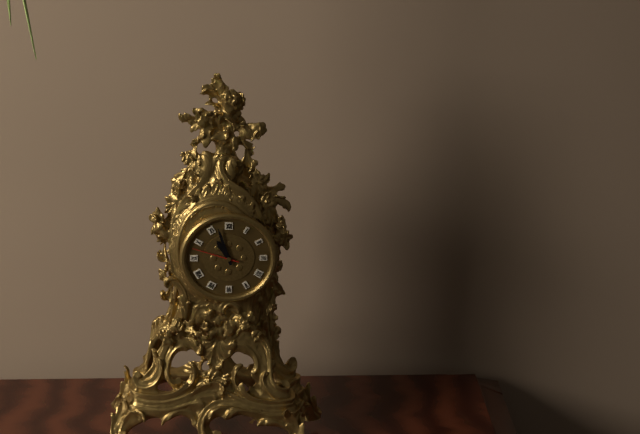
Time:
10h57
